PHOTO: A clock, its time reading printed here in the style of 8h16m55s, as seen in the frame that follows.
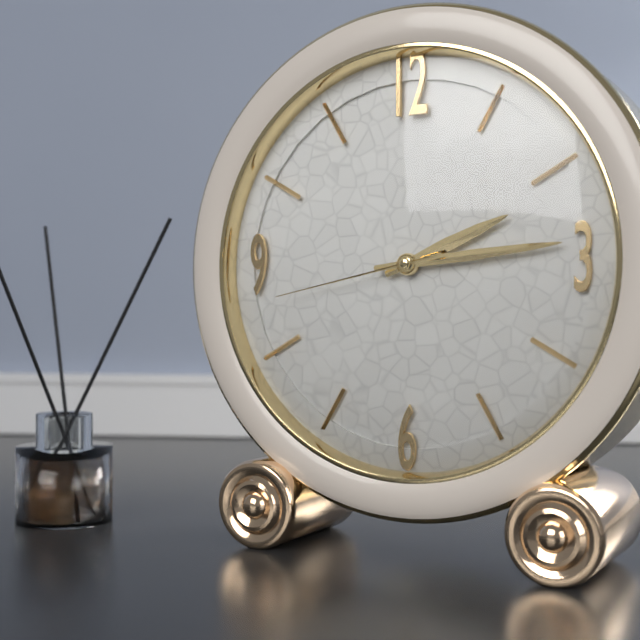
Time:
2h14m43s
